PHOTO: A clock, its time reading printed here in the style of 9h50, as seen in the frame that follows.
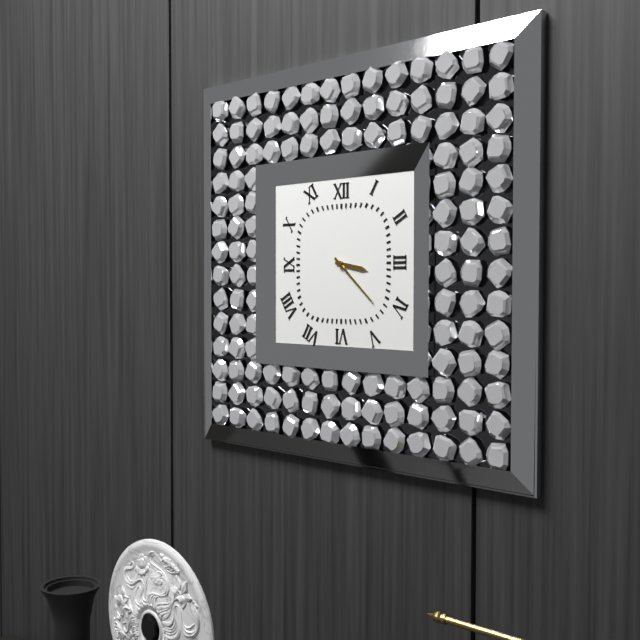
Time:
3h22
